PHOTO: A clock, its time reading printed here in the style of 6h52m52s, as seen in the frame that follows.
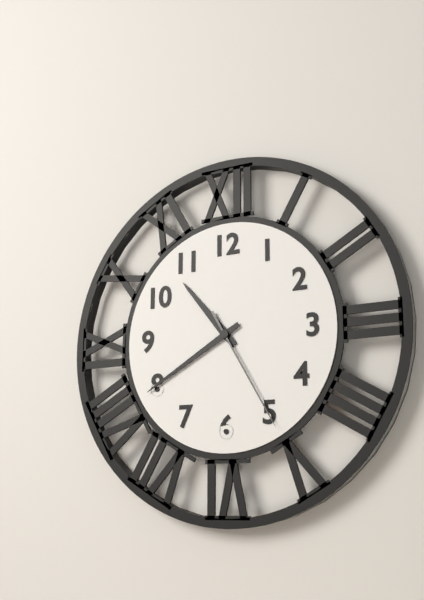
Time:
10h40m25s
